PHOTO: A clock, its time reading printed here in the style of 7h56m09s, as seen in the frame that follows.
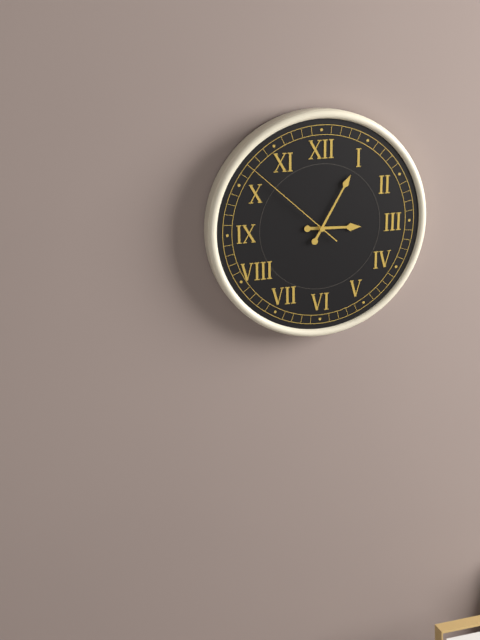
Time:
3h05m52s
